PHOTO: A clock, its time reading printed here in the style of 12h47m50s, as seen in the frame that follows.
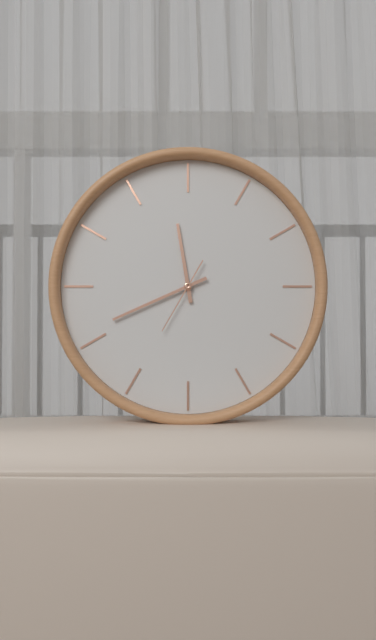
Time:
11h41m35s
